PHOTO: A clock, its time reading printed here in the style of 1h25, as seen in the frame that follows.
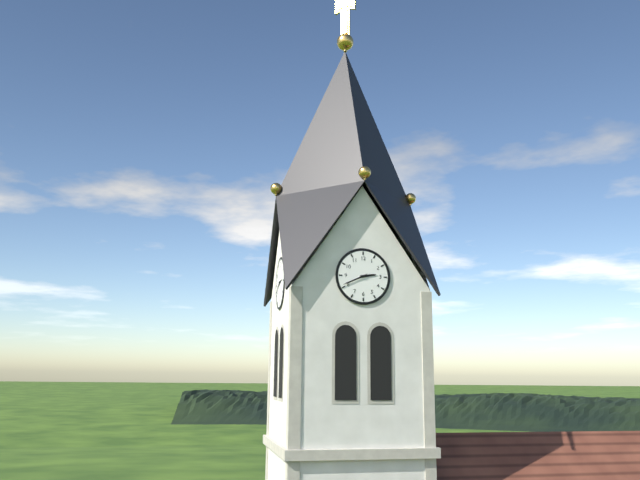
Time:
2h41
